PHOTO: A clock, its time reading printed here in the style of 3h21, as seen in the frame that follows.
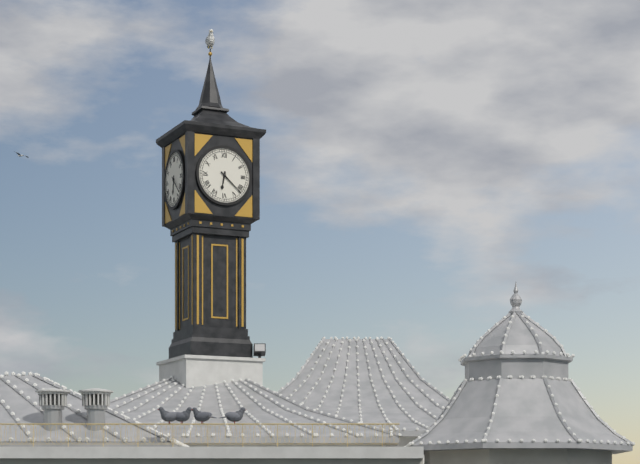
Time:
6h22
